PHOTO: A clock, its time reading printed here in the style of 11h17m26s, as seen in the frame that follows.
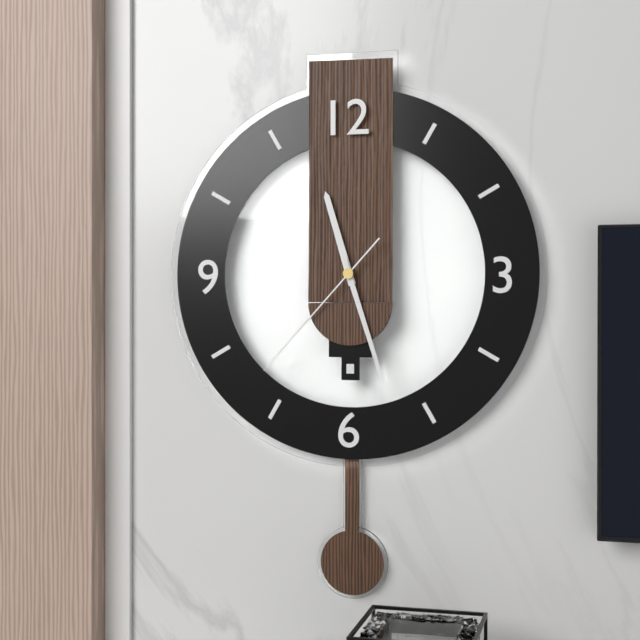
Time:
11h27m37s
